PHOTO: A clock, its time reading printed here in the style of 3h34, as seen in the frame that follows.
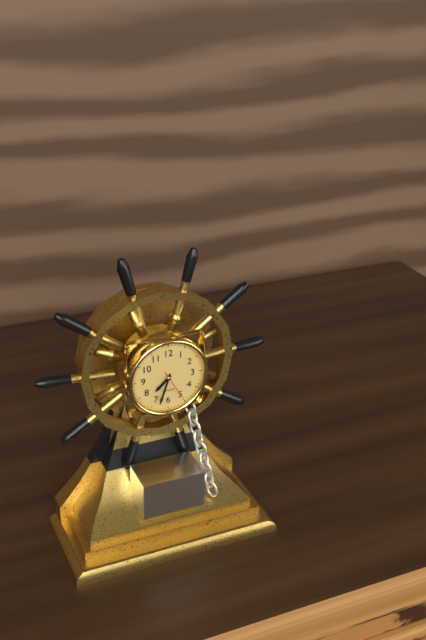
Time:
7h33
